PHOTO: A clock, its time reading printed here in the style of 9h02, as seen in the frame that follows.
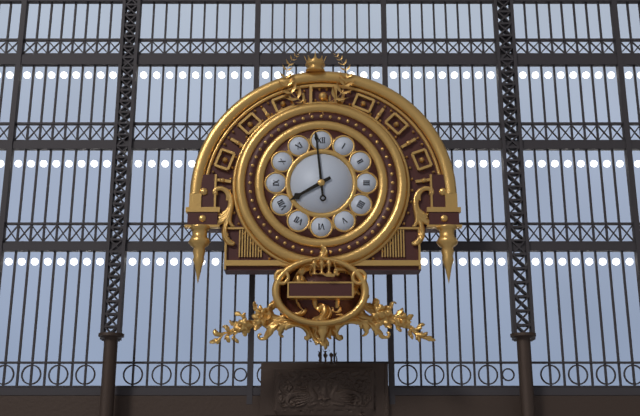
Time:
7h59
